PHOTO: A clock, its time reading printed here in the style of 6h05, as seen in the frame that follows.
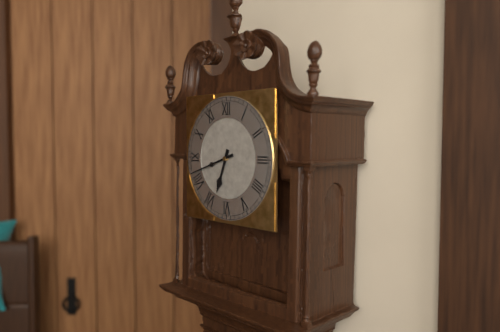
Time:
6h42
